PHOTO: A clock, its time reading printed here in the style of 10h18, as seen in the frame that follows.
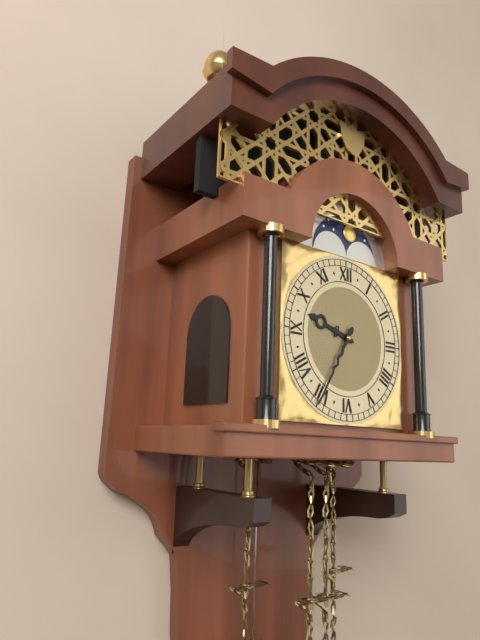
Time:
9h35
